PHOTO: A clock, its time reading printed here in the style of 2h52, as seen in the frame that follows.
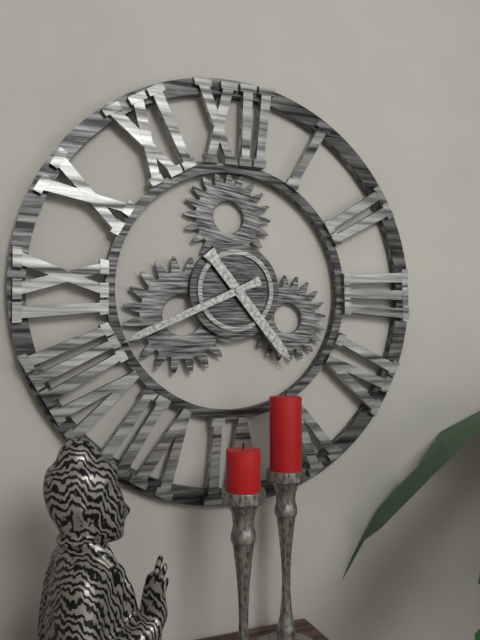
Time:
4h41
